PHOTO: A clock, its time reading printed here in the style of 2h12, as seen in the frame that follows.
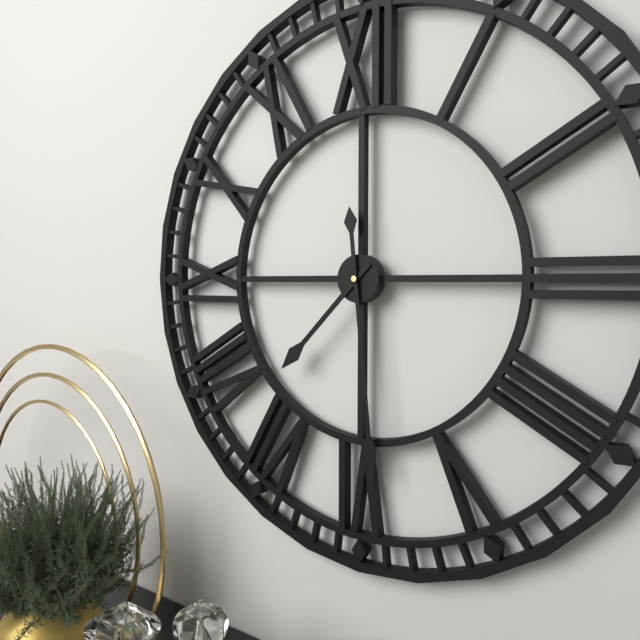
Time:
7h29
